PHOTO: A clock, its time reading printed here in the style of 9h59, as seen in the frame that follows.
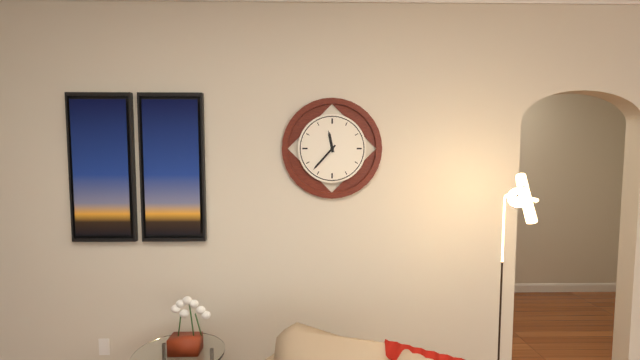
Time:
11h37
